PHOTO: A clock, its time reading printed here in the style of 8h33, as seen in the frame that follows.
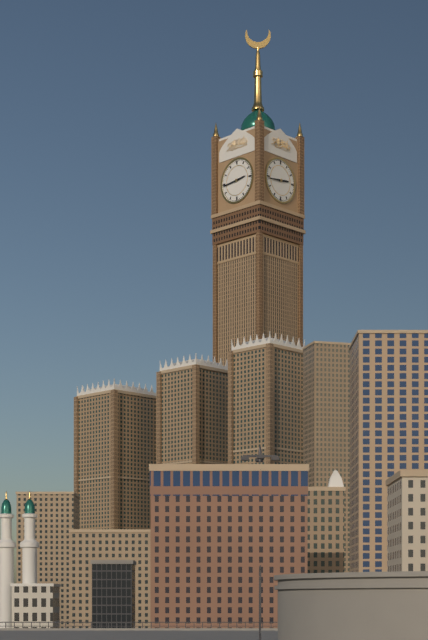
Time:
2h44
